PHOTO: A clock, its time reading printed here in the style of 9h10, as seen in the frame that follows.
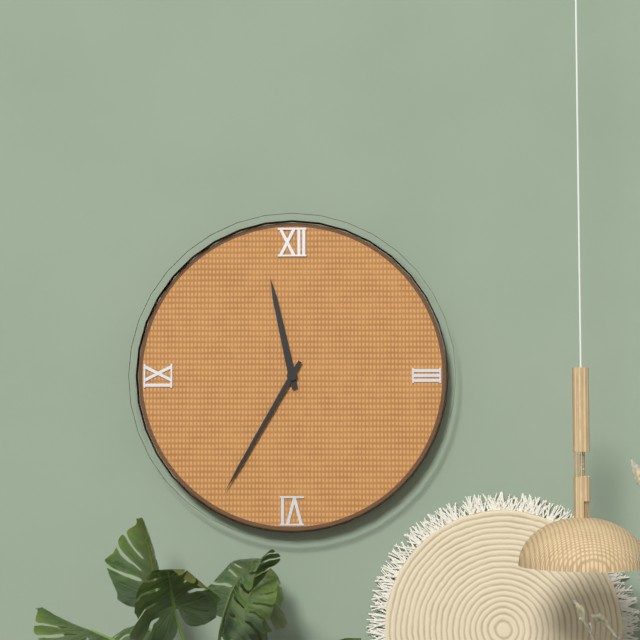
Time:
11h35
